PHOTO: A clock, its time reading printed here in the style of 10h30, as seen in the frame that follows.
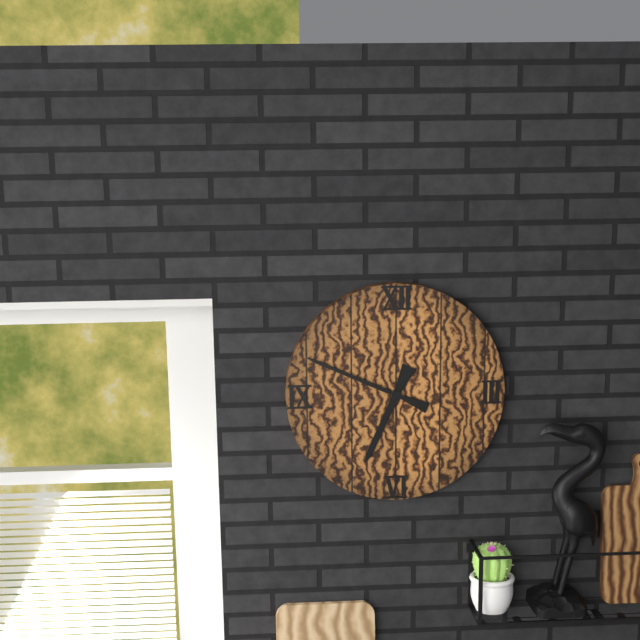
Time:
6h49
